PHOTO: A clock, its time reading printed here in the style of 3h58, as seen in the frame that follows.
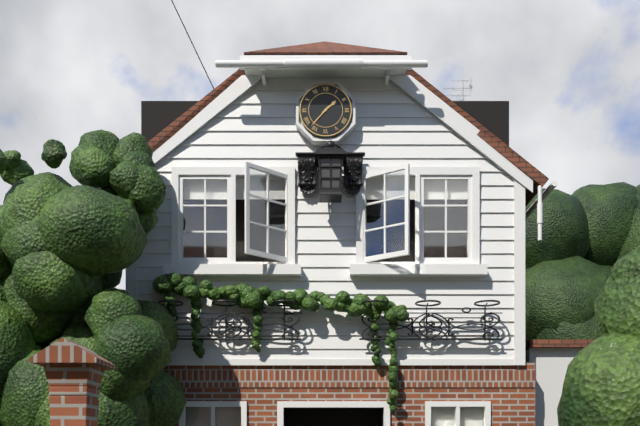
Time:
1h37
